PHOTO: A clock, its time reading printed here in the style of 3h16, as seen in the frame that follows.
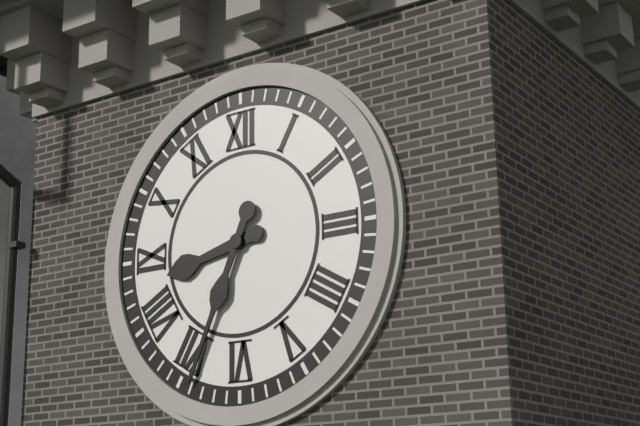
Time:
8h34
